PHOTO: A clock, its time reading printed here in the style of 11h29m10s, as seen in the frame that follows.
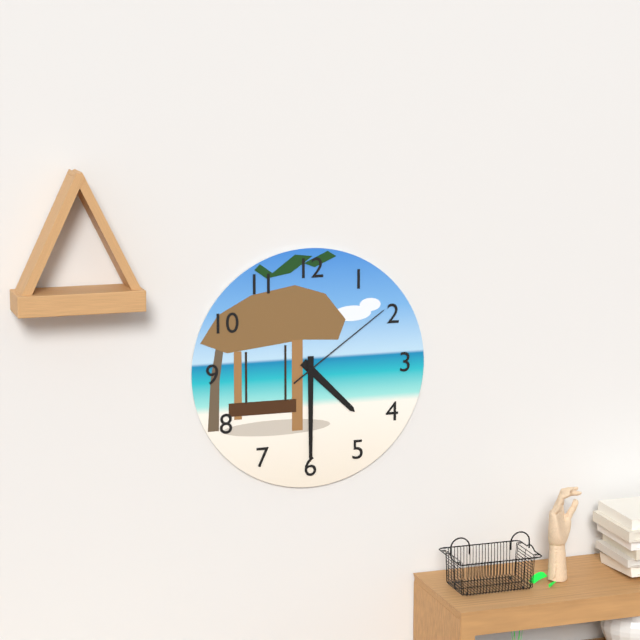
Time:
4h30m09s
